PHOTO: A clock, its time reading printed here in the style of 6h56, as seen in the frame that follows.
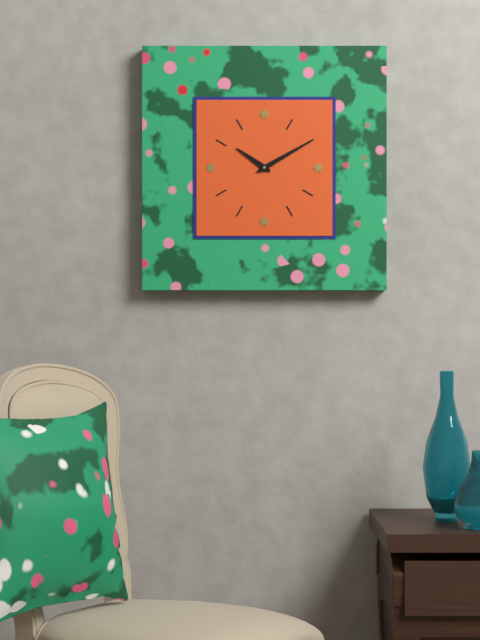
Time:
10h10
